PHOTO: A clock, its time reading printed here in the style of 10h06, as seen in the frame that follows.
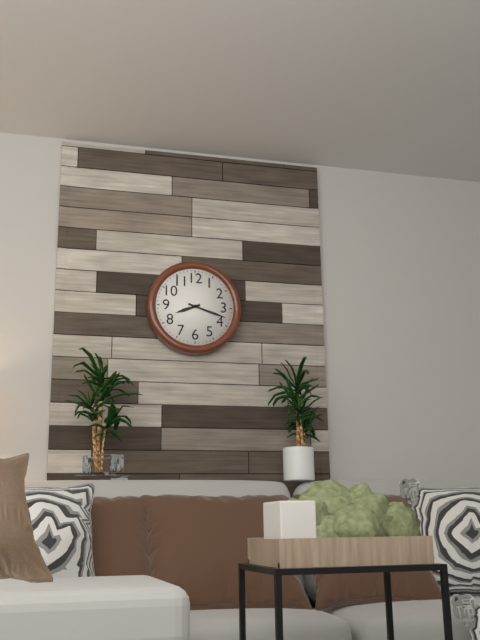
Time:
8h18
